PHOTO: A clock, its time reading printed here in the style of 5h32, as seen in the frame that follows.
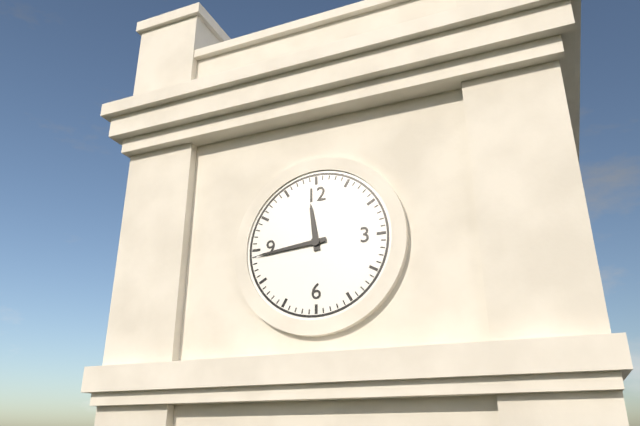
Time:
11h44
